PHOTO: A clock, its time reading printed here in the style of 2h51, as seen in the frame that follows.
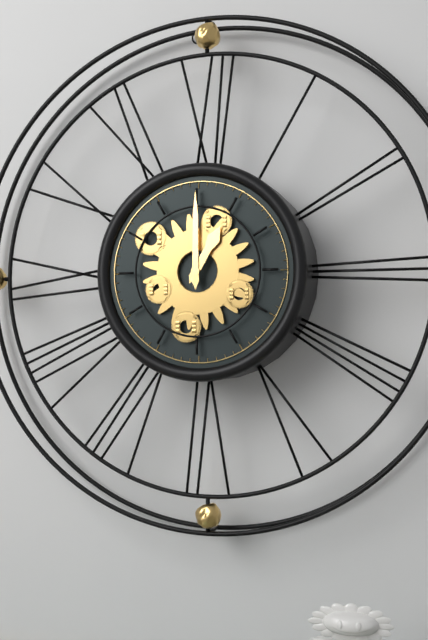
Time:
1h00
